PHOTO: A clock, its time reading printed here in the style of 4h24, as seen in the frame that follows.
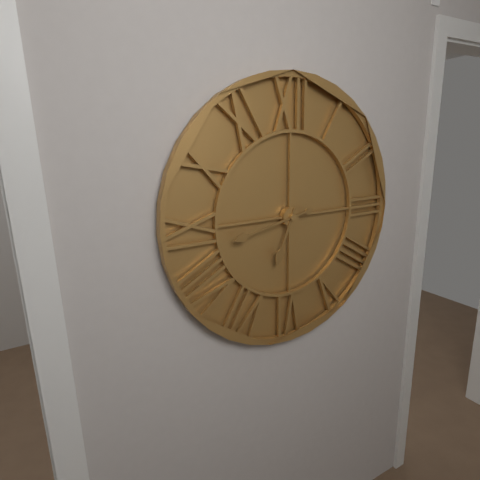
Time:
6h43
